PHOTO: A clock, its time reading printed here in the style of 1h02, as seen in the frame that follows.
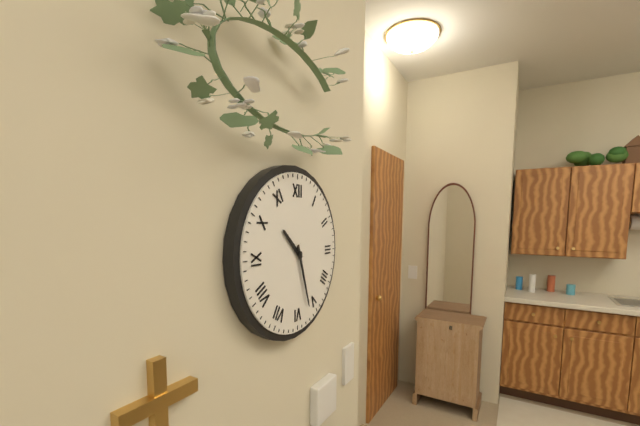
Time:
10h27
